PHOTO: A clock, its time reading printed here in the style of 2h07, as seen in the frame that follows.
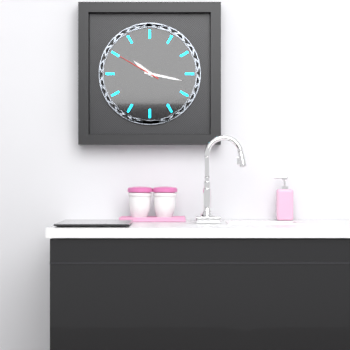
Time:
10h17
